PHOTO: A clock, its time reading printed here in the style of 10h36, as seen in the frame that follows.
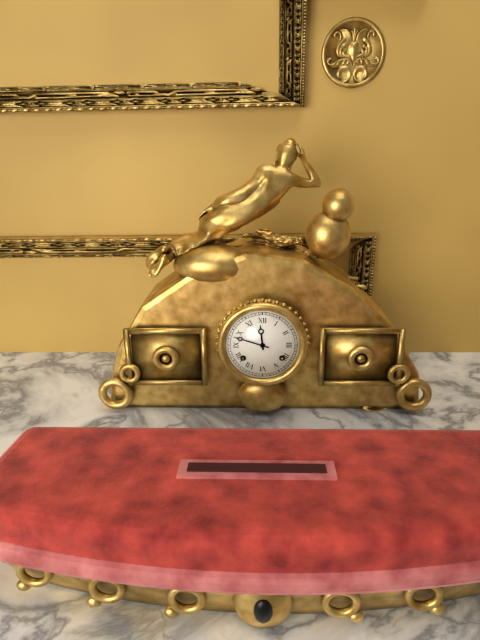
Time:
11h48
